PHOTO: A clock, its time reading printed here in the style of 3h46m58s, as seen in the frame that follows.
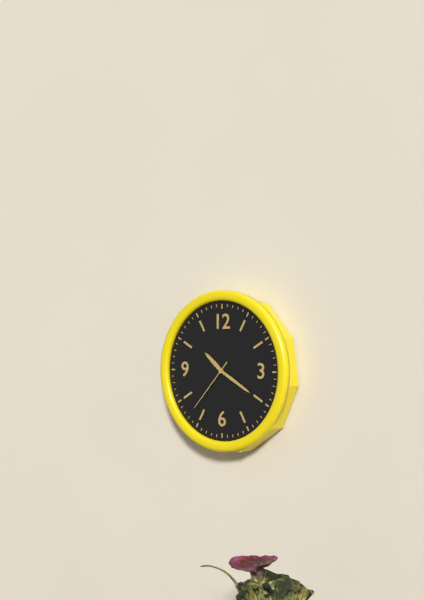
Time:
10h20m37s
